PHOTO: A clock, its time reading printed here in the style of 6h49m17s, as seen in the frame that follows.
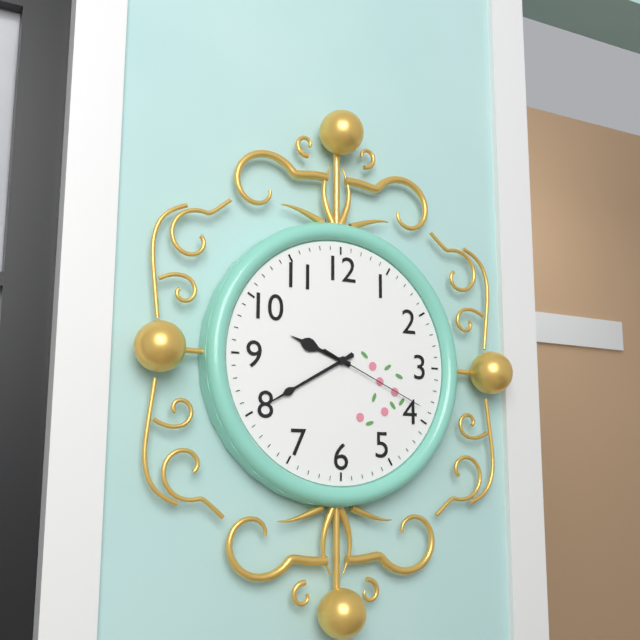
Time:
9h40m19s
